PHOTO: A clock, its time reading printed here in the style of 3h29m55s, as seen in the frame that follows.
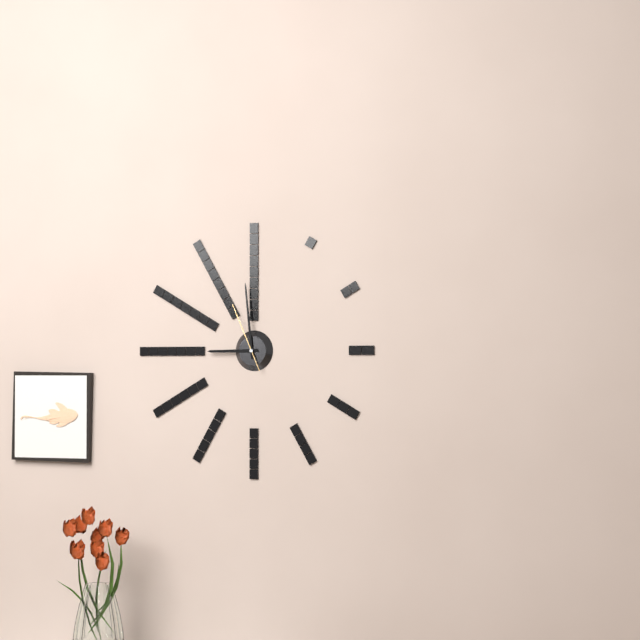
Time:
8h59m56s
